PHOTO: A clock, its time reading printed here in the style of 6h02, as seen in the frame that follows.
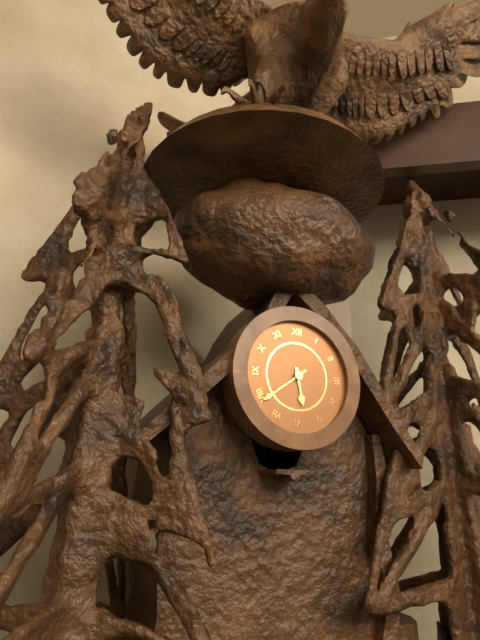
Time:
5h39
